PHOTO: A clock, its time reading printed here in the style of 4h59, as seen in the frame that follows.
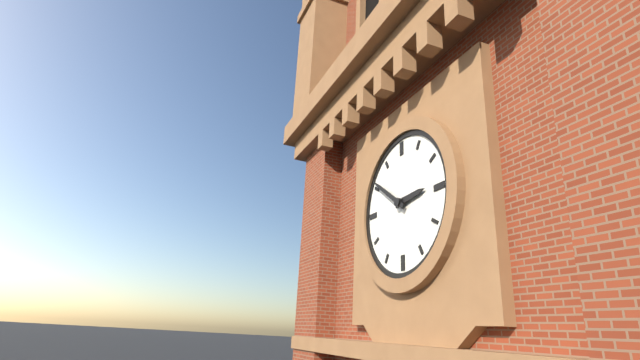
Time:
2h51
